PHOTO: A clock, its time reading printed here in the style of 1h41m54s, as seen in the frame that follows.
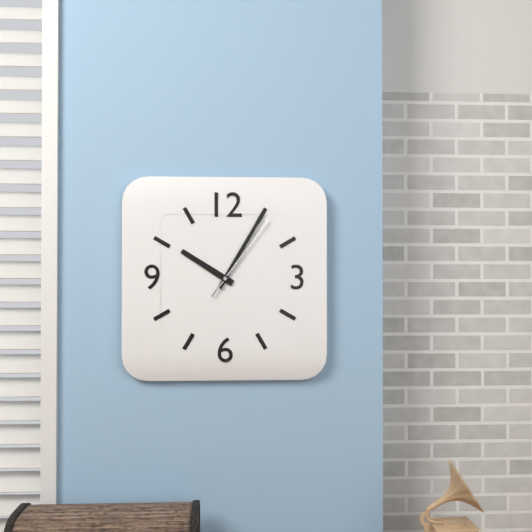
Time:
10h05m06s
